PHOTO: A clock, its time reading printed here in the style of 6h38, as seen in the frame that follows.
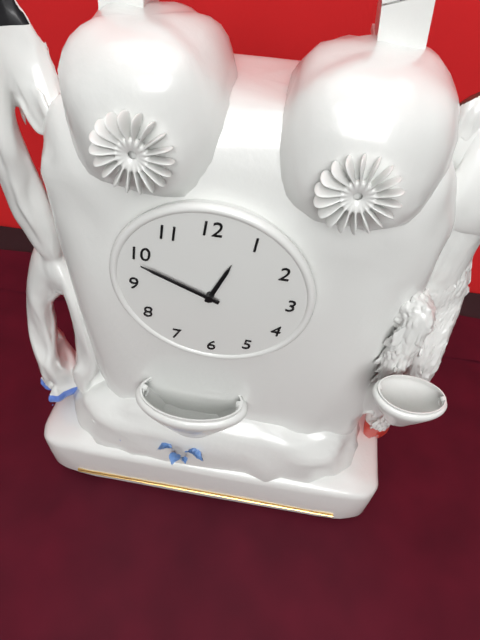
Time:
12h49
